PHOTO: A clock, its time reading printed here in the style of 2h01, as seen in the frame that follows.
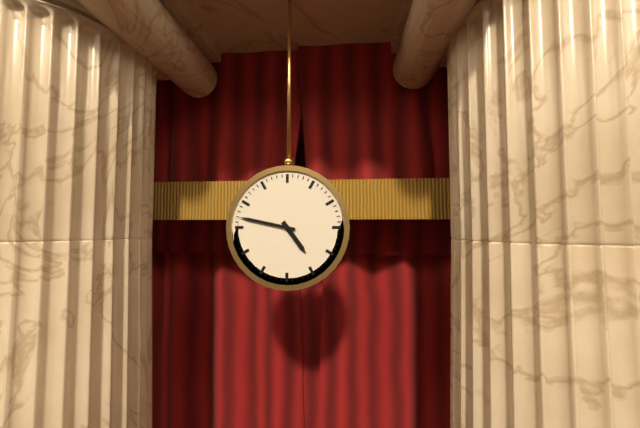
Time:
4h47
